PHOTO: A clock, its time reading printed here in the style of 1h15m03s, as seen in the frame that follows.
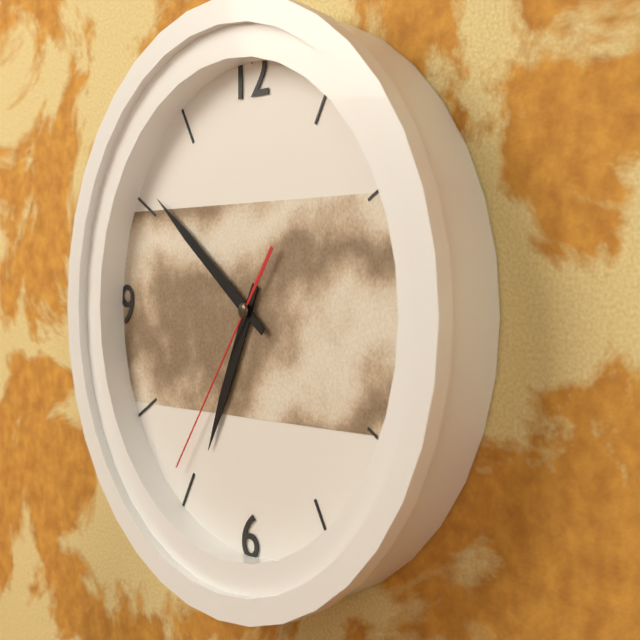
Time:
6h51m36s
